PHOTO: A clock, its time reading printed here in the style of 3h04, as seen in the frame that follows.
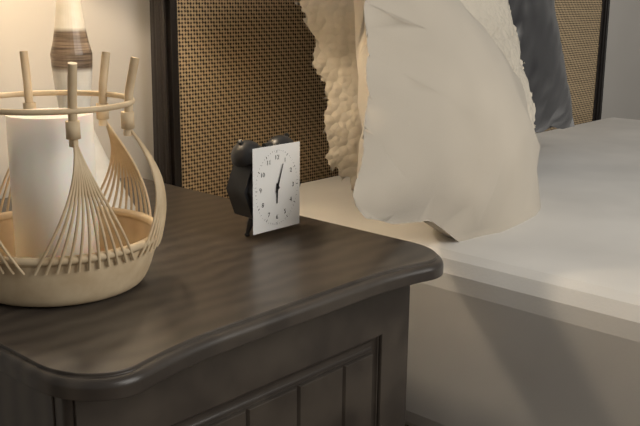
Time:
6h03
